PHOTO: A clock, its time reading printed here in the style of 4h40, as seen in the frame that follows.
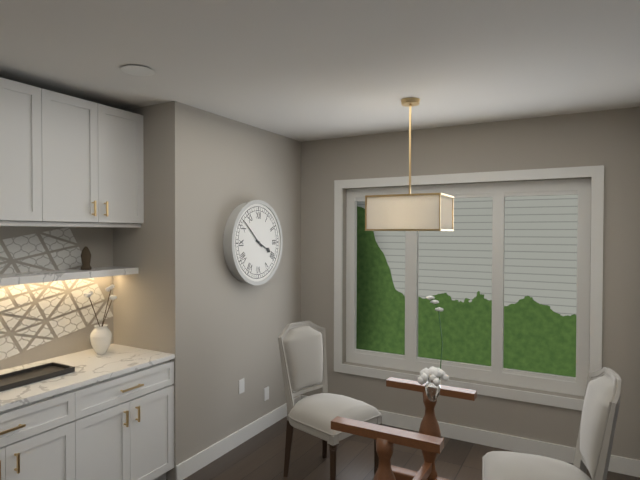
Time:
3h52
